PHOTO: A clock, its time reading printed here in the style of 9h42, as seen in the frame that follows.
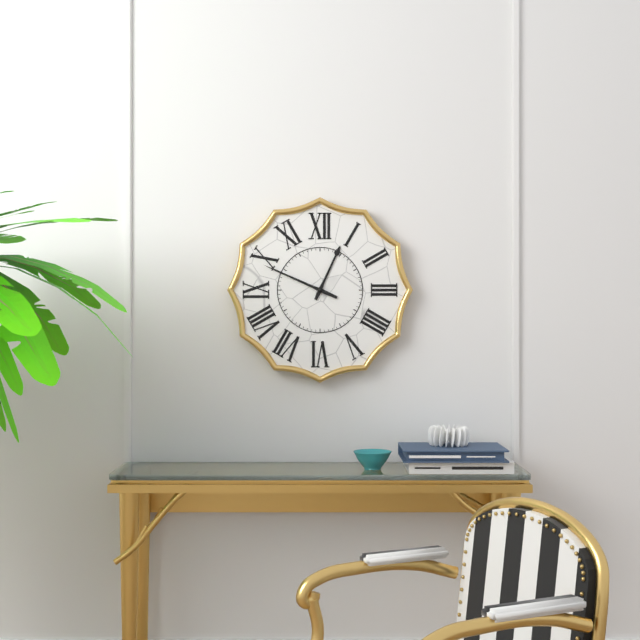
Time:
12h49
